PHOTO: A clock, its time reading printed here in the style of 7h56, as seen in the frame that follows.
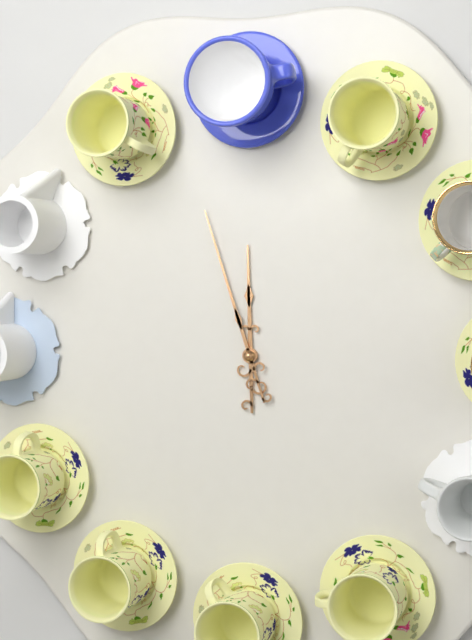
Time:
11h57
